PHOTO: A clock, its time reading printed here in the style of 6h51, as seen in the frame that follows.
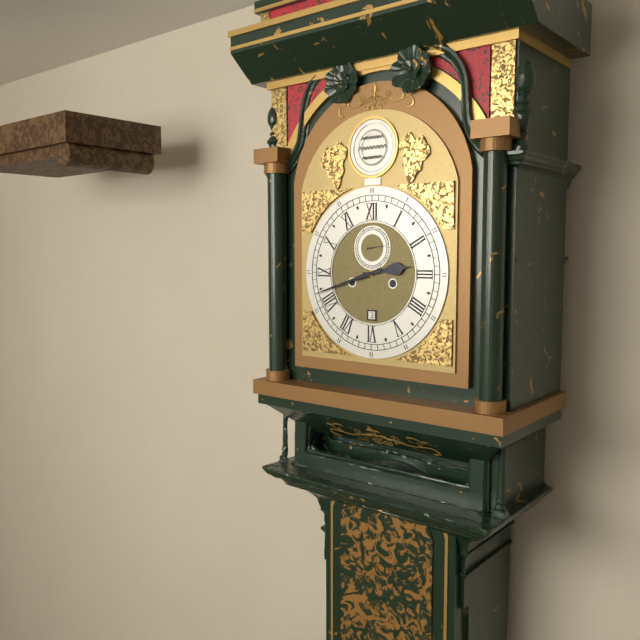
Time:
2h42
